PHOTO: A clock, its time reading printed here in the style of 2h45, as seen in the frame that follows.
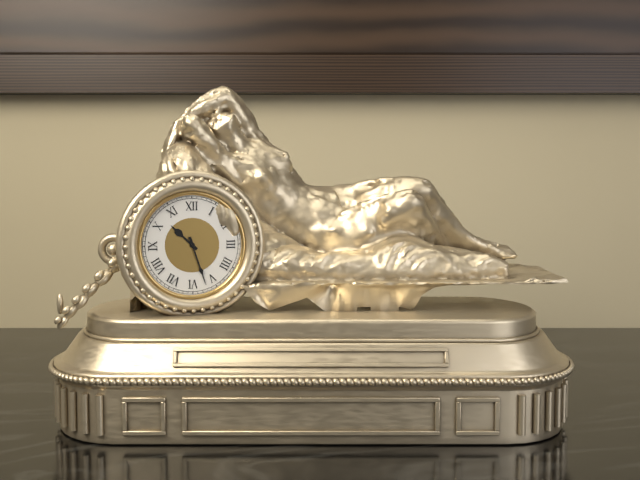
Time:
10h27
